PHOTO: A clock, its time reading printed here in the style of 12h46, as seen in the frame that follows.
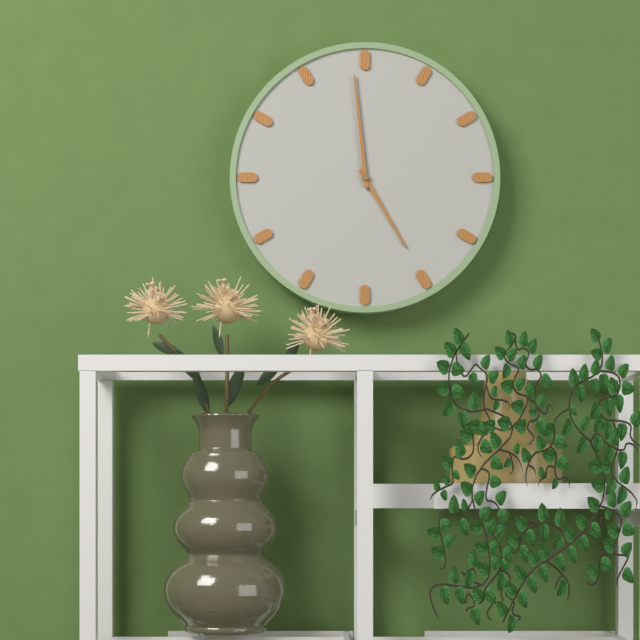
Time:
4h59
